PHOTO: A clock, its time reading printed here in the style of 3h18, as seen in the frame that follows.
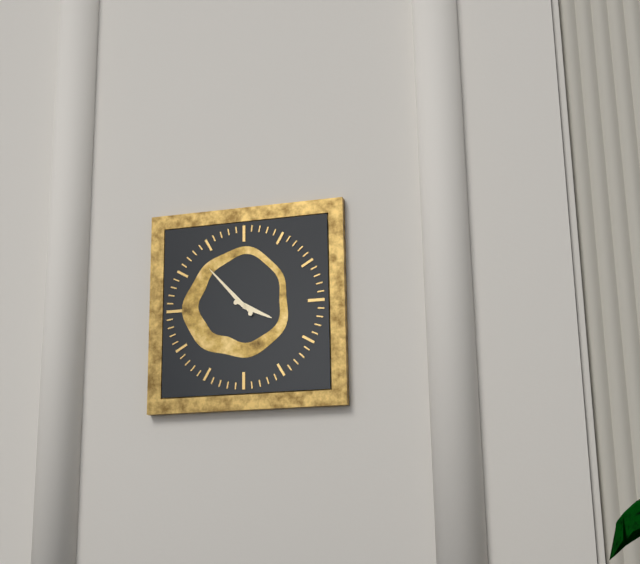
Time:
3h53
